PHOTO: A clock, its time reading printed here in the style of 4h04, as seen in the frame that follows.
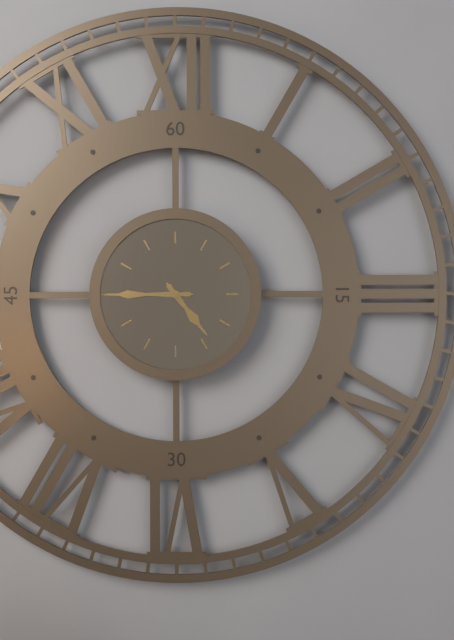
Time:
4h45
